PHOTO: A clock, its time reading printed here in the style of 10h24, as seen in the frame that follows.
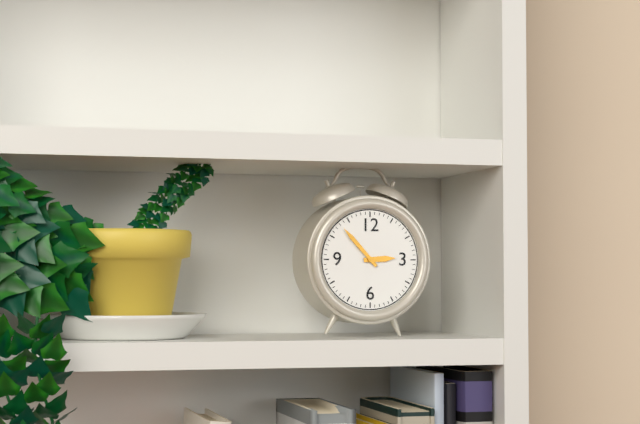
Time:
2h53
